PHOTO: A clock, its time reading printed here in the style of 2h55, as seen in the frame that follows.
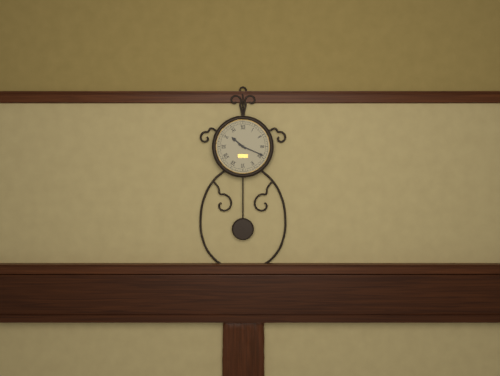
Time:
10h19
